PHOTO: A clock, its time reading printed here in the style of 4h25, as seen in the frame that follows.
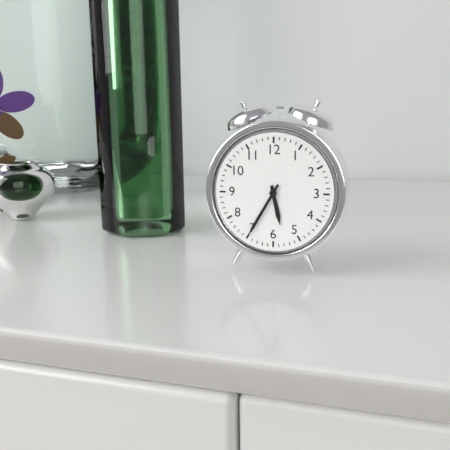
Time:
5h35
